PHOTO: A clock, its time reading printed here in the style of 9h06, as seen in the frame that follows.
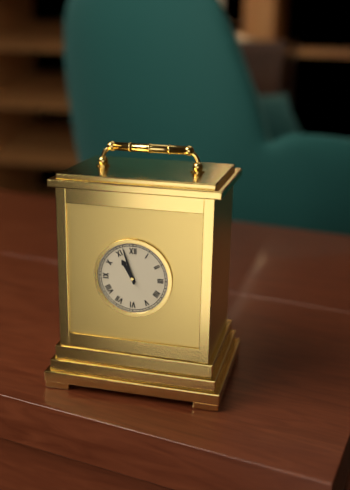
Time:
10h57
